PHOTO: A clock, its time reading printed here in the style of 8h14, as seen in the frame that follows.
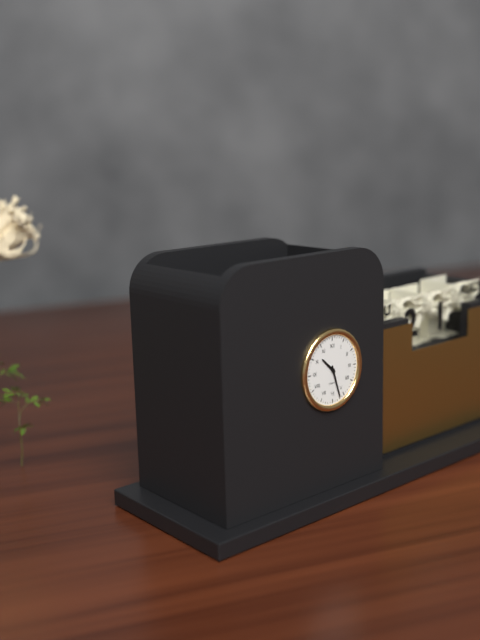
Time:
10h27
